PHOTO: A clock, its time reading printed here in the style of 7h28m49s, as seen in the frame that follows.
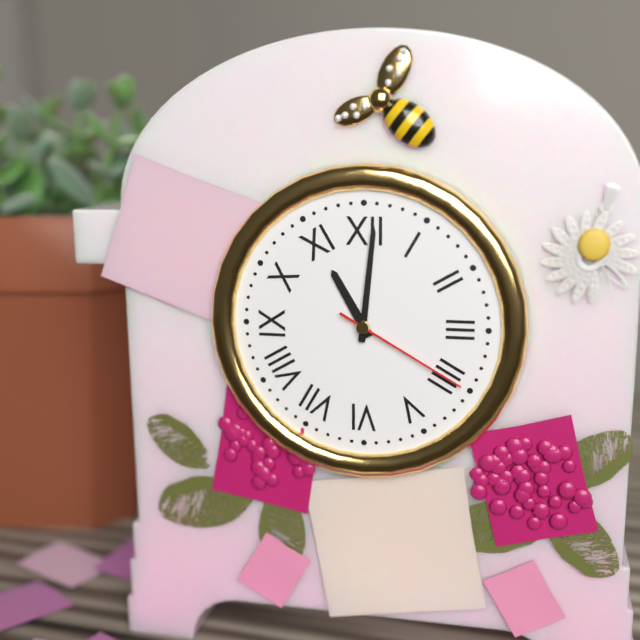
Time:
11h01m20s
